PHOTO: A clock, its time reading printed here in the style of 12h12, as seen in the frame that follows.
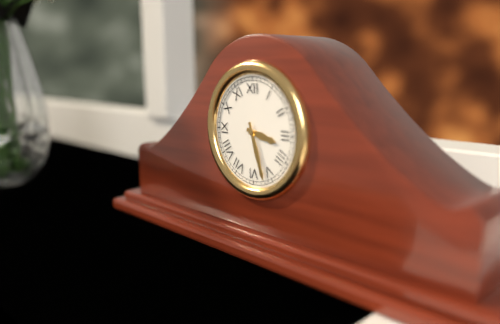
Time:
3h27
